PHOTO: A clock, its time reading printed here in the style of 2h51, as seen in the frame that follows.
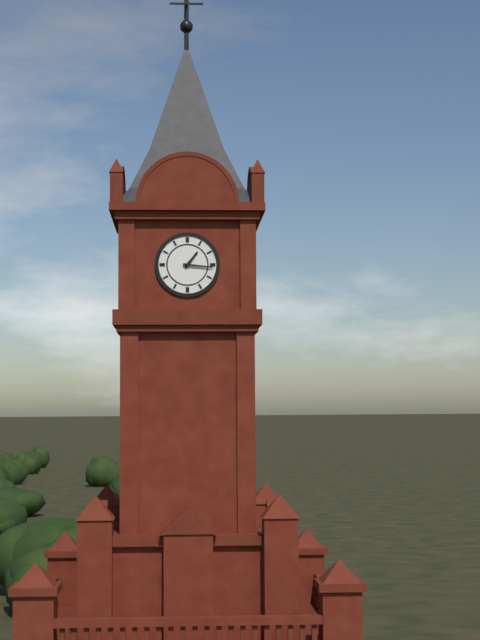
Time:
1h16
